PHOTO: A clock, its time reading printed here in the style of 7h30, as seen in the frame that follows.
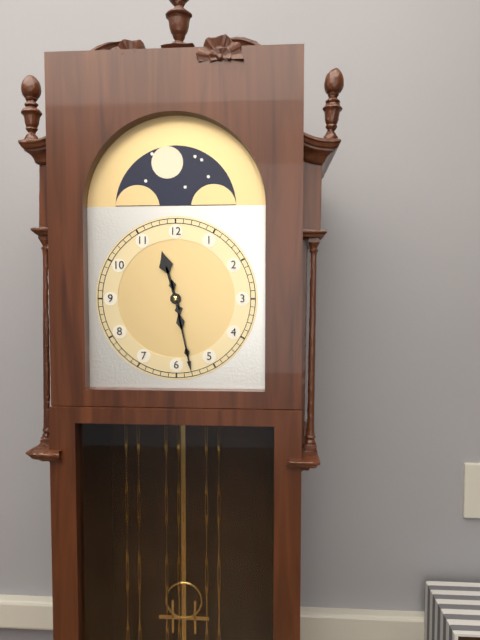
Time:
11h28
